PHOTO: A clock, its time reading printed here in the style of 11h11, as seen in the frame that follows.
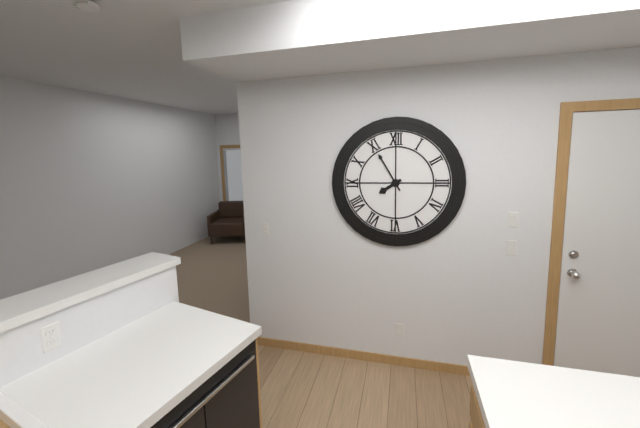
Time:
7h55
